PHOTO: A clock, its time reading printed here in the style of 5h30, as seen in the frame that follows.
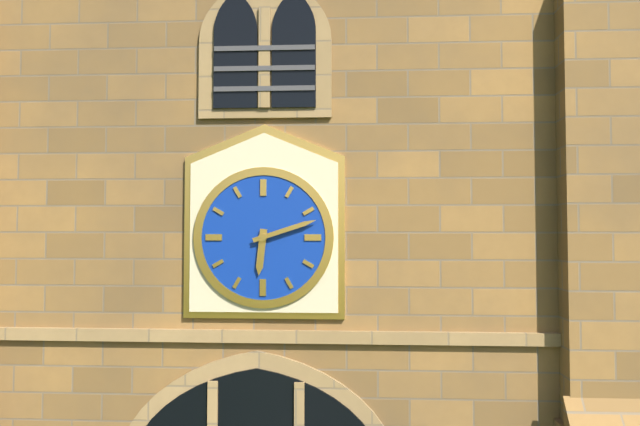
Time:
6h12
